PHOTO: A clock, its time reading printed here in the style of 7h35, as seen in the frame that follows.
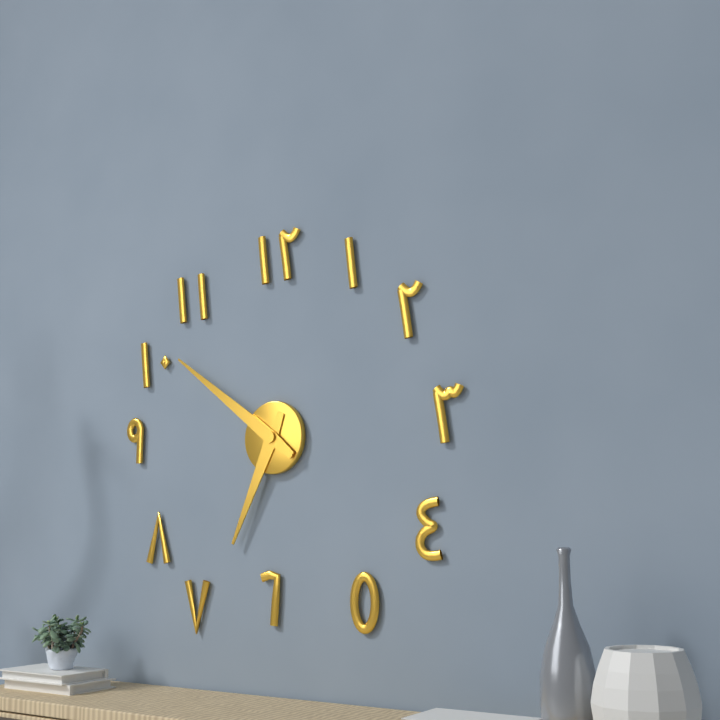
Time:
6h51
